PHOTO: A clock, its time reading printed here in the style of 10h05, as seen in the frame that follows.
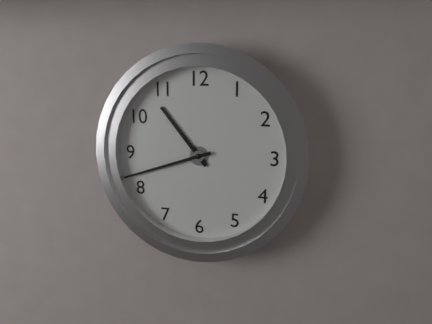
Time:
10h42
